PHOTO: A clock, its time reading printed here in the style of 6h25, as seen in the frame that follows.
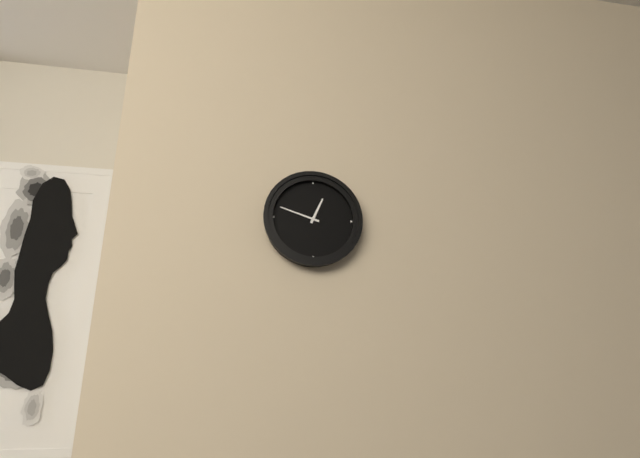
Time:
12h48
